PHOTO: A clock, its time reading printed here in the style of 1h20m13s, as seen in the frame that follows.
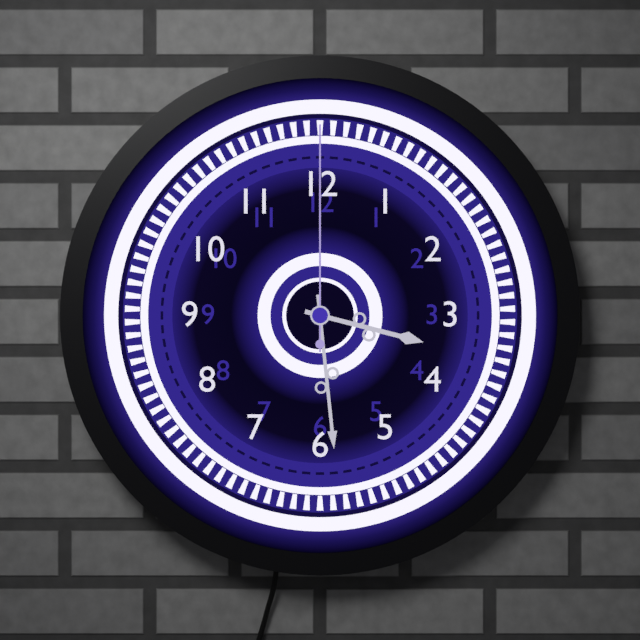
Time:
3h29m00s
